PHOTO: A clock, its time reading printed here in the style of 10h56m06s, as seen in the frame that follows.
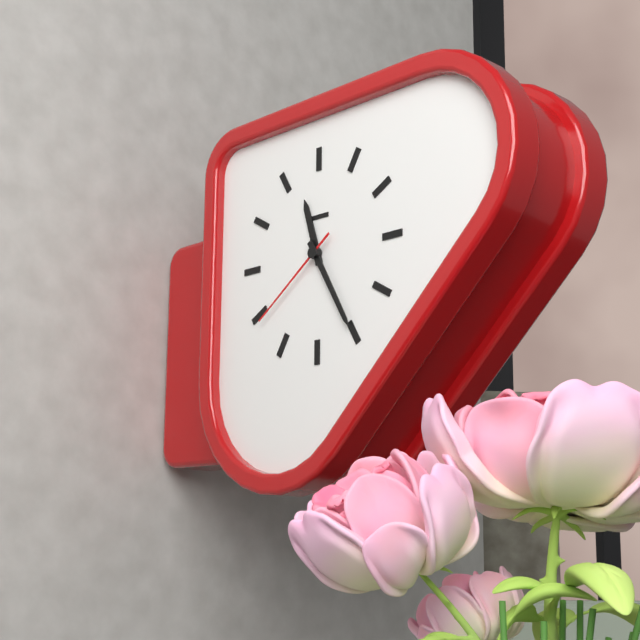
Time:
11h25m39s
